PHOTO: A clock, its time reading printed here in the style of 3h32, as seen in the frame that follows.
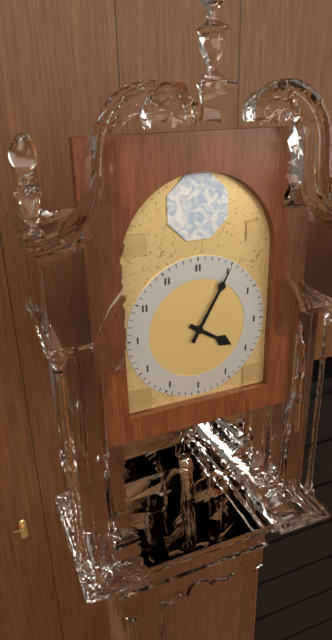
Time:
4h05
